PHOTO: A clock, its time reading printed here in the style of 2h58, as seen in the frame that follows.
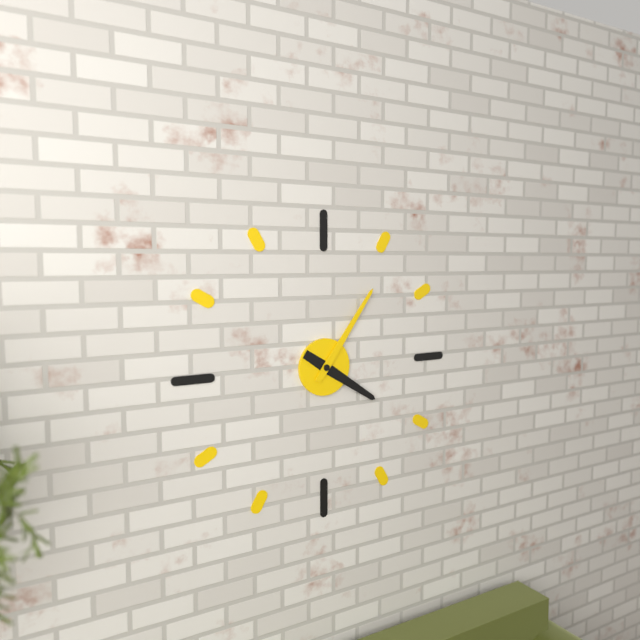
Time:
4h06
